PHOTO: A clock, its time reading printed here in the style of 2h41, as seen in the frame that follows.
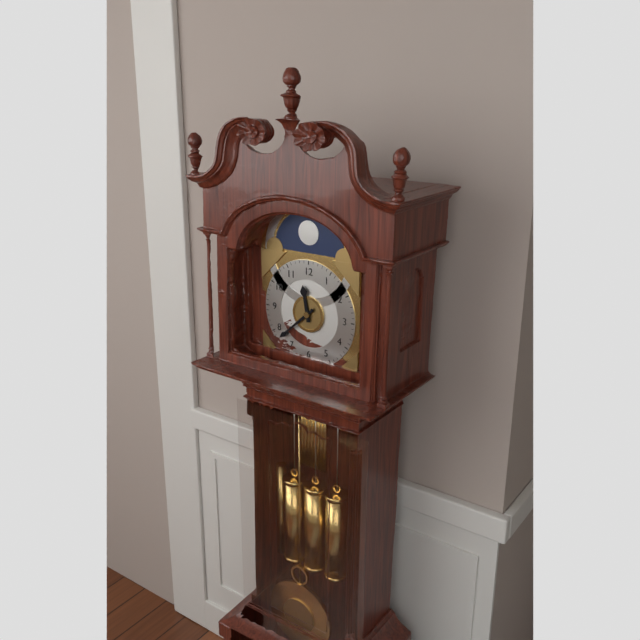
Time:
11h38
